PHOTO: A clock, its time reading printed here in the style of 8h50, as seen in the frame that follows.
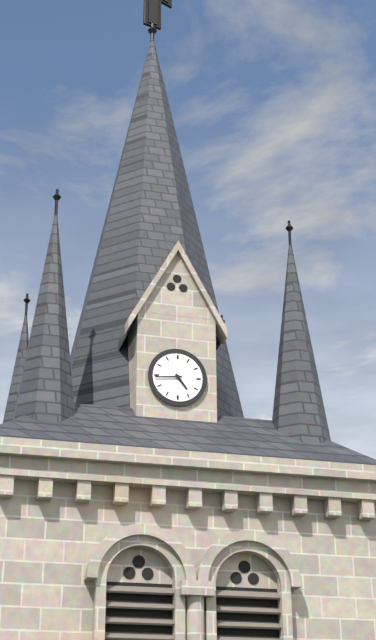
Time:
4h44
